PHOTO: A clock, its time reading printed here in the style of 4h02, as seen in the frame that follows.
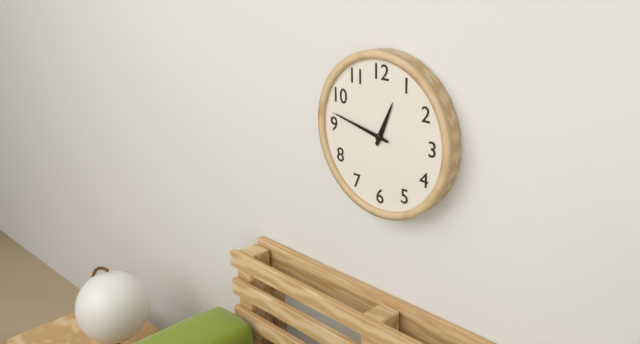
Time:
12h47
